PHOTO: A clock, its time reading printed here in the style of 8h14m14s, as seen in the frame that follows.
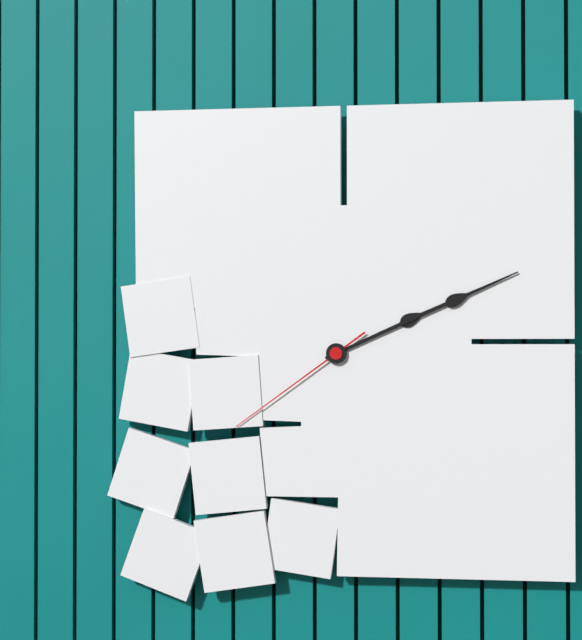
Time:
2h11m39s
